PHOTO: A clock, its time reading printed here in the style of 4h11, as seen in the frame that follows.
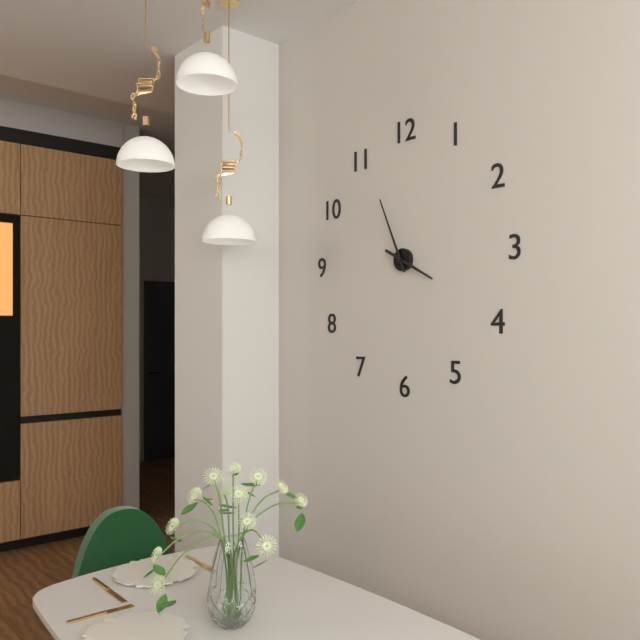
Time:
3h56
